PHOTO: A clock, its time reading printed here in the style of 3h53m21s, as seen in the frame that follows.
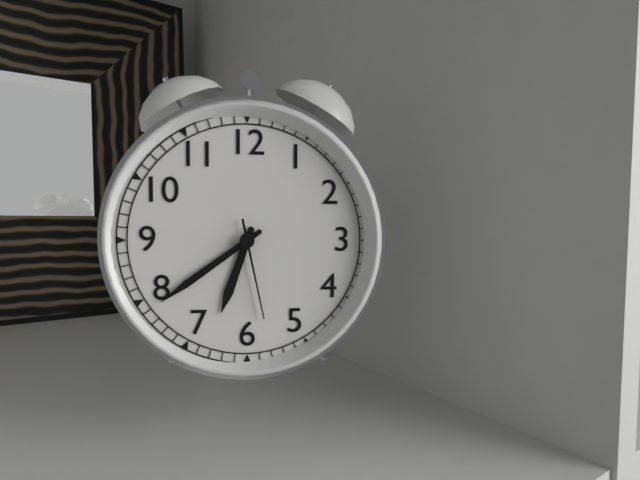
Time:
6h39m28s
